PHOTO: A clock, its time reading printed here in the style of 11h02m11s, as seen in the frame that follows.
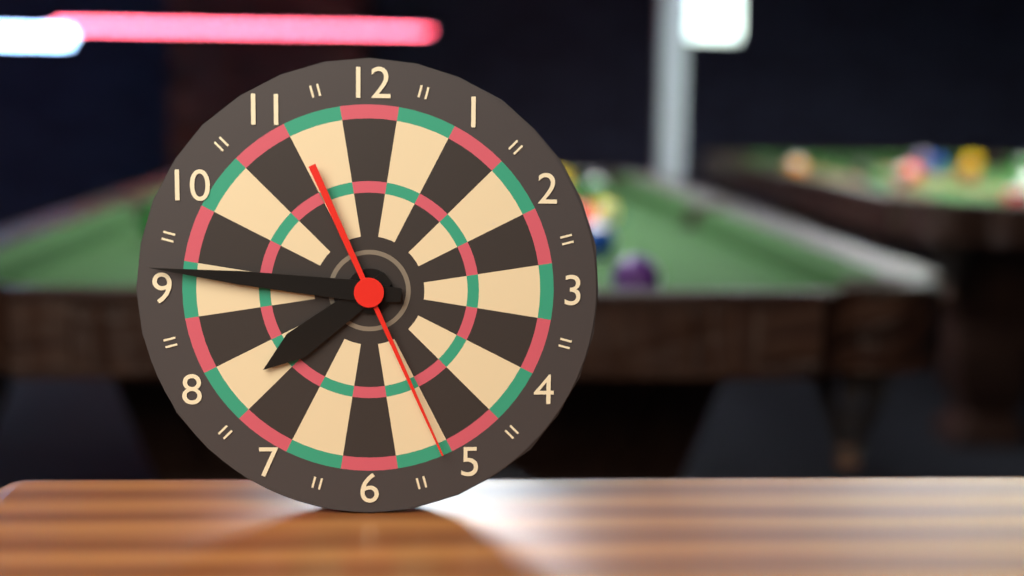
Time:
7h46m26s
